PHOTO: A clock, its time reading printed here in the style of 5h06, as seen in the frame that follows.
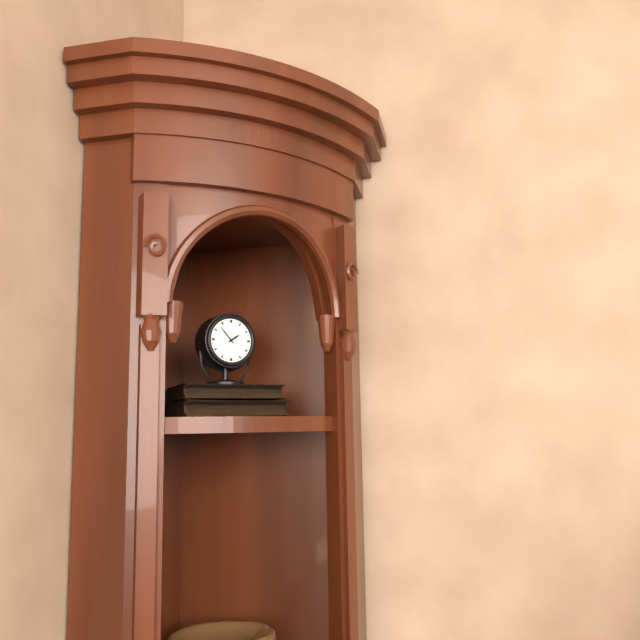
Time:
1h53
